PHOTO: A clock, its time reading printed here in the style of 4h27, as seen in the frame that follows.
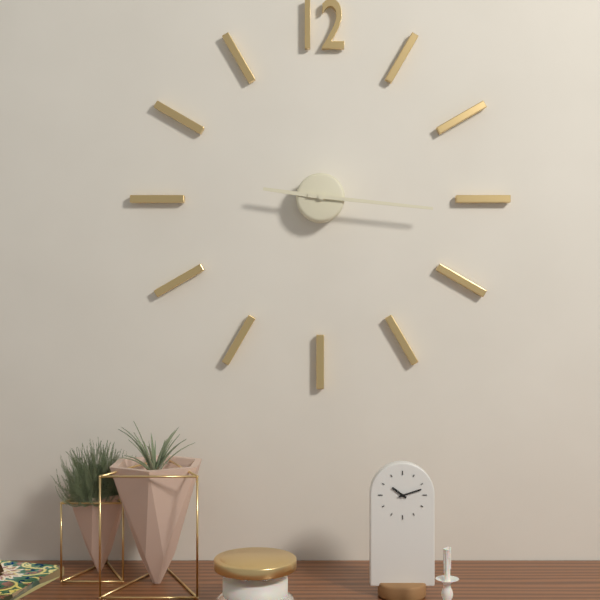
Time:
9h16
